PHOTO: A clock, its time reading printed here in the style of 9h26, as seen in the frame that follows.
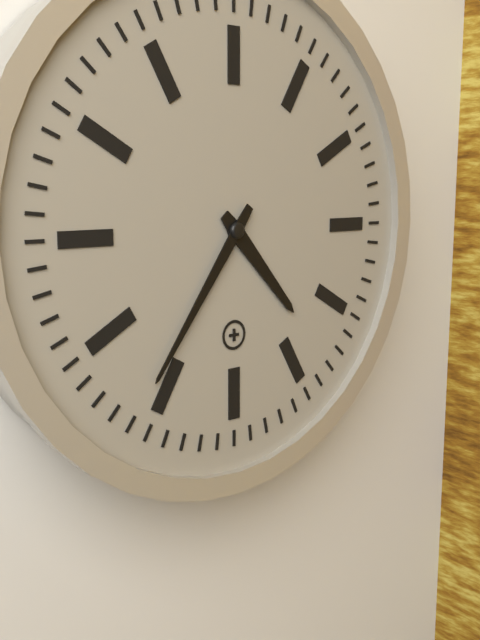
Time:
4h36
